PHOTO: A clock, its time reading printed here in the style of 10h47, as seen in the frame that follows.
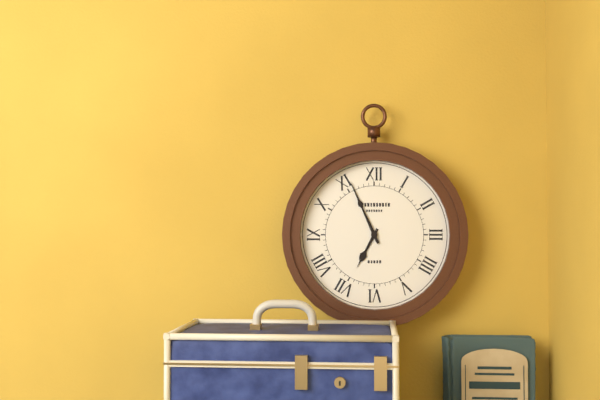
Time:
6h56
